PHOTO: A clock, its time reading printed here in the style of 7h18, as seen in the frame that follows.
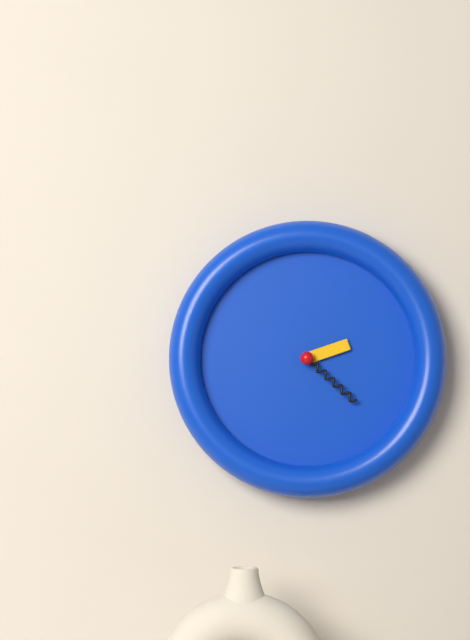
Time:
2h22
